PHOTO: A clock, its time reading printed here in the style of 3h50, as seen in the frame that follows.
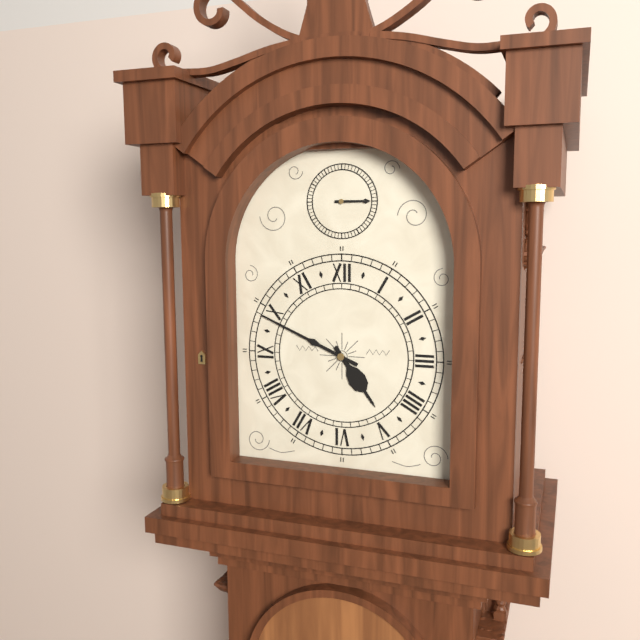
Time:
4h49
